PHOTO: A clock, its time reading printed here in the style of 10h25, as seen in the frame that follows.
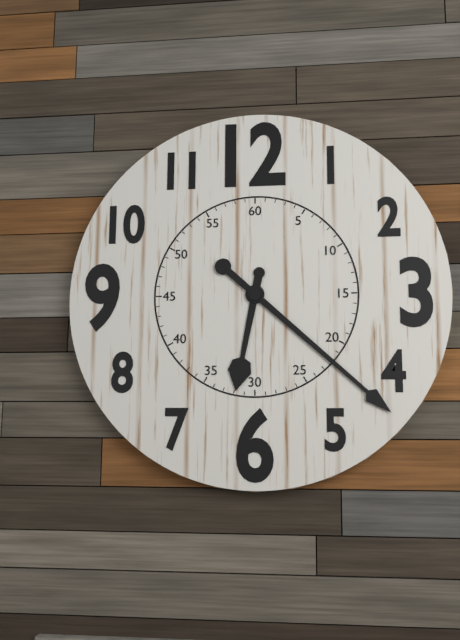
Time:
6h22
